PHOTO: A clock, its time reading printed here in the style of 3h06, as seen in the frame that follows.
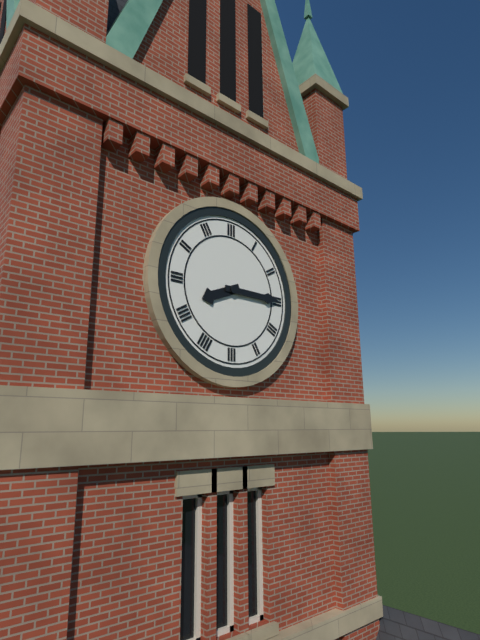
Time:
8h15
